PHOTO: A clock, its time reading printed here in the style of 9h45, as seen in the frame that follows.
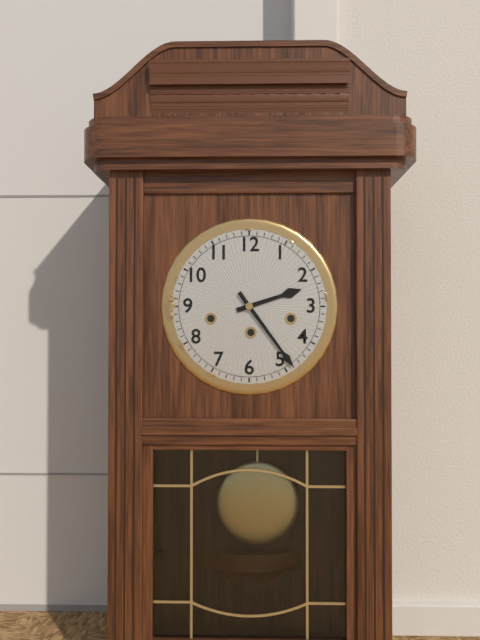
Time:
2h24
